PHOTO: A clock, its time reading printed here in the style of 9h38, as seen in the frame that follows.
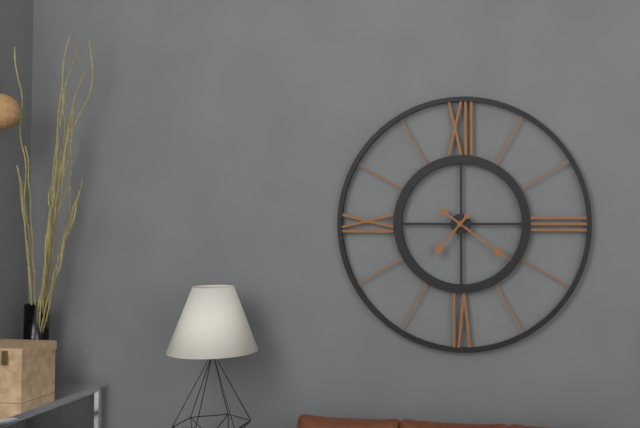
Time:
7h21
